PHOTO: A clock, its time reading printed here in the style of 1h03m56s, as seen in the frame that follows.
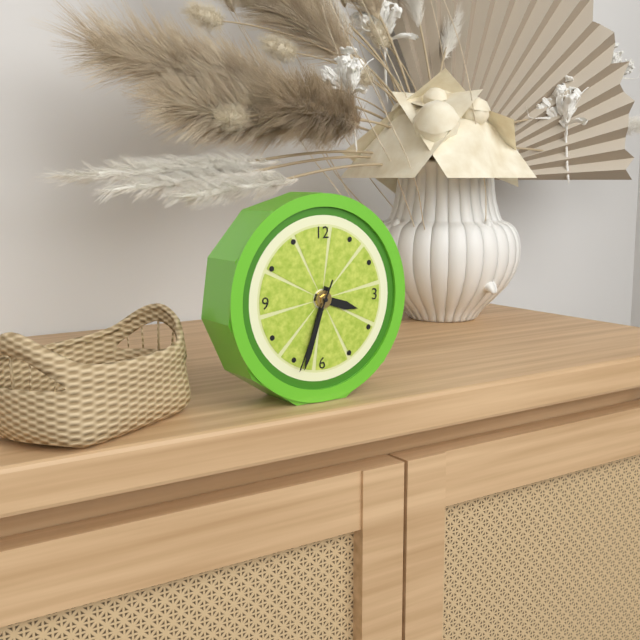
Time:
3h33m34s
